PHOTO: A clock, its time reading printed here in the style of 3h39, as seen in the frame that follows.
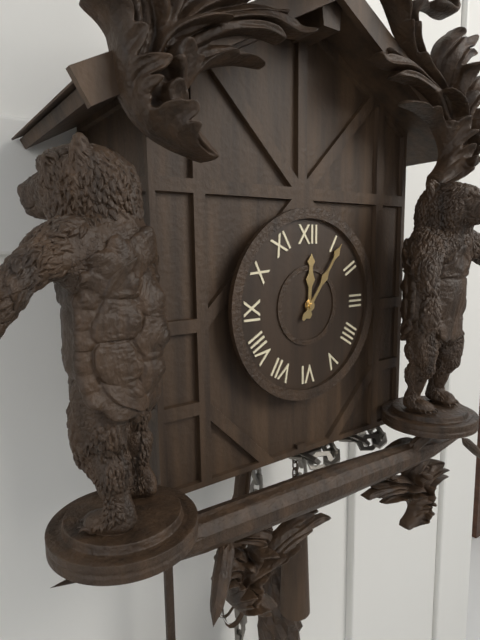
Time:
12h06
